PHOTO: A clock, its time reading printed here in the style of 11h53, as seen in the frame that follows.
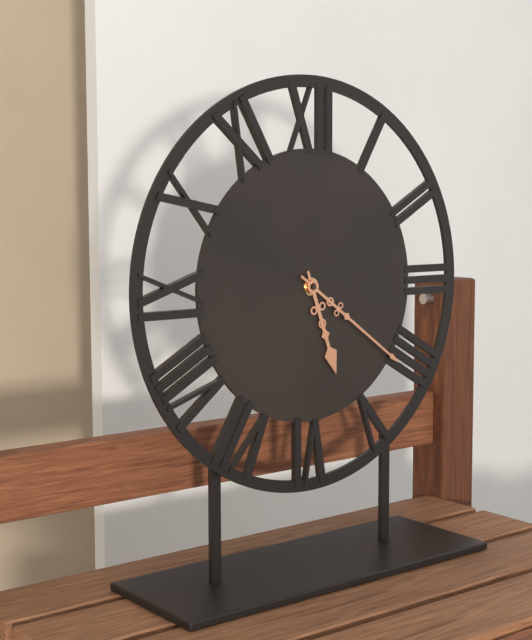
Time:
5h21
